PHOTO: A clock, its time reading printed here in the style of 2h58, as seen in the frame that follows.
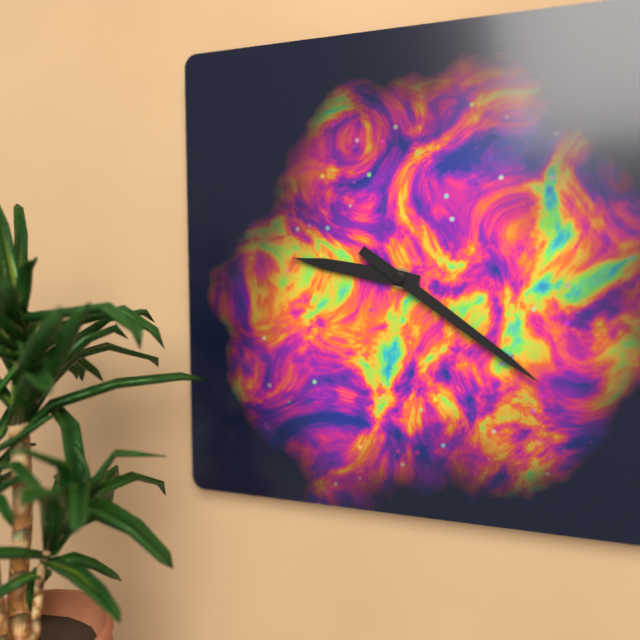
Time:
9h21
